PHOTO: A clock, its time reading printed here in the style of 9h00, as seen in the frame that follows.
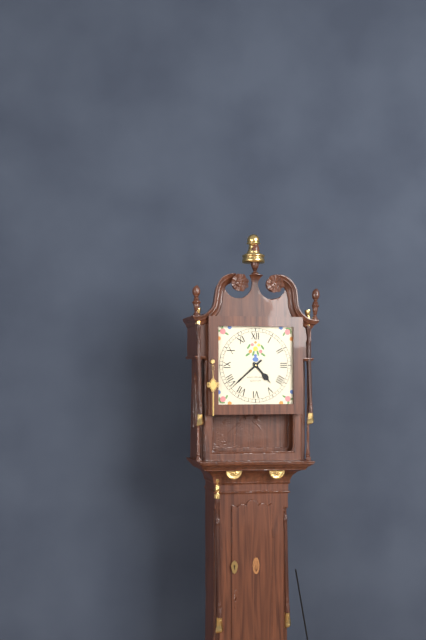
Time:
4h38
